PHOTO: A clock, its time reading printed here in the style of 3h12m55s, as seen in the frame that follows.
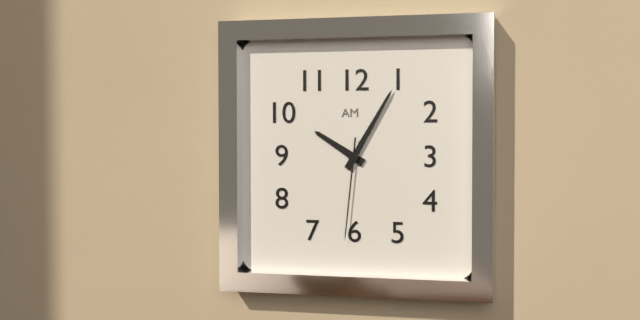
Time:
10h05m31s
